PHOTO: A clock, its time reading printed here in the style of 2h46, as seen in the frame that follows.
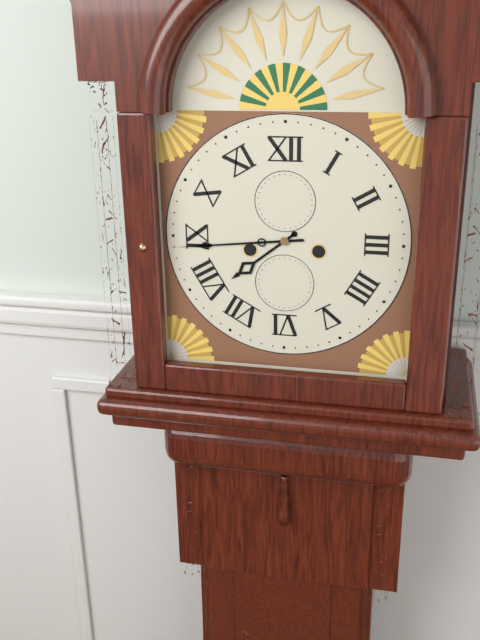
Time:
7h44
